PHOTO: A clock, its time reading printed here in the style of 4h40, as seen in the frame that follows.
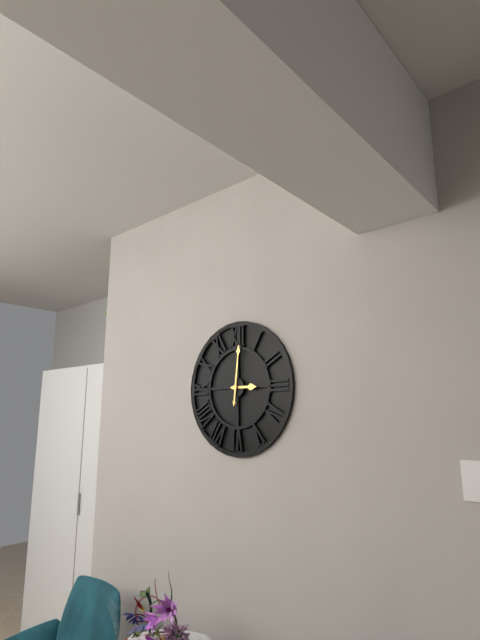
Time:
3h01
